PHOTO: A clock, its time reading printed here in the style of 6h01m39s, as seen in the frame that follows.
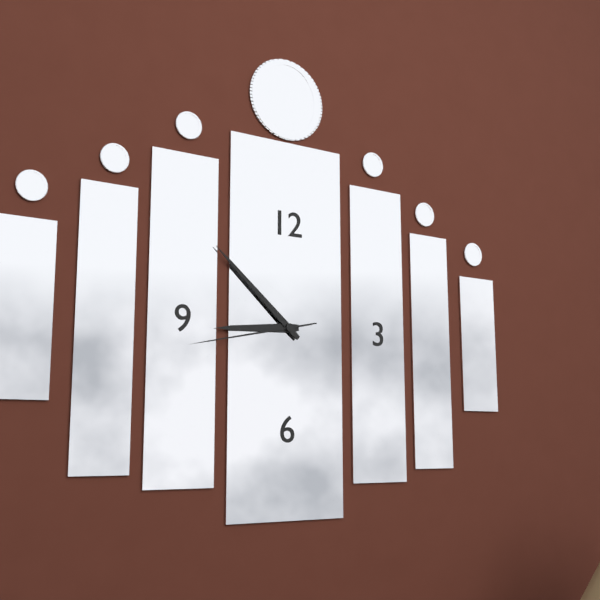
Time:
8h52m43s
